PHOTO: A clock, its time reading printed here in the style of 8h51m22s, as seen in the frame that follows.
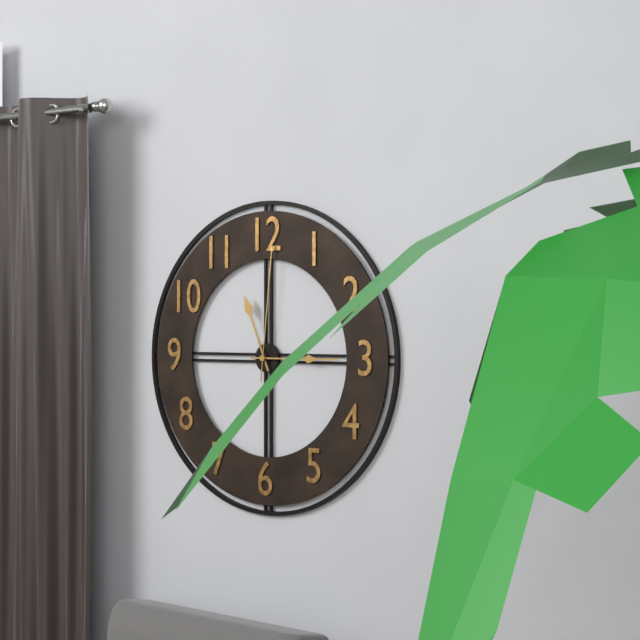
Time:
11h15m01s
